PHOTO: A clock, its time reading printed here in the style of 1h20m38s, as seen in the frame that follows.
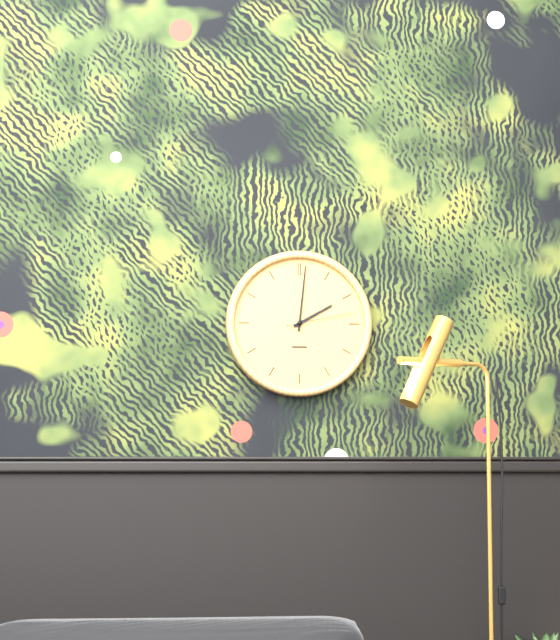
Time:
2h01m13s
